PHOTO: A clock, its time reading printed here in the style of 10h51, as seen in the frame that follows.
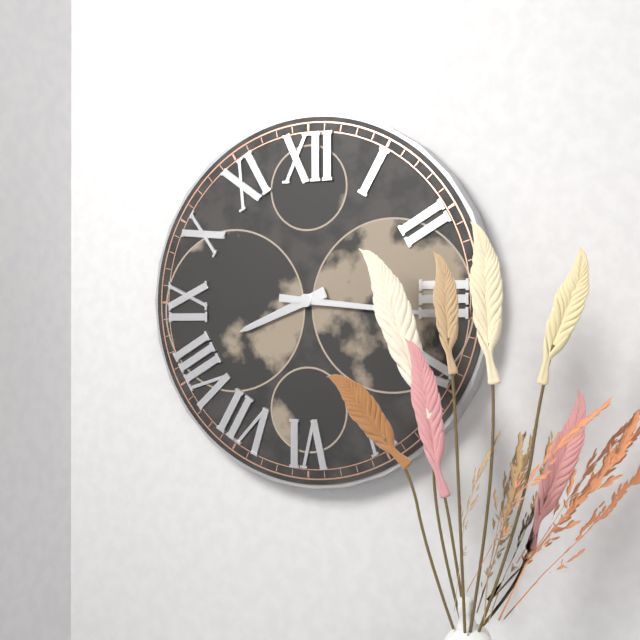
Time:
8h16
